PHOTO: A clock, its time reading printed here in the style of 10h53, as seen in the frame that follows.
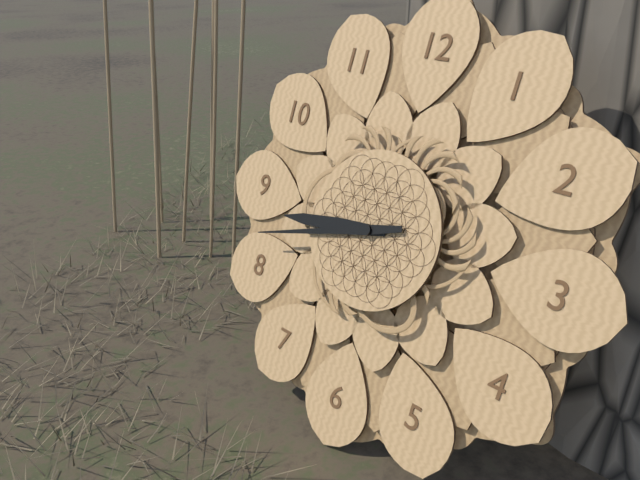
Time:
8h42
